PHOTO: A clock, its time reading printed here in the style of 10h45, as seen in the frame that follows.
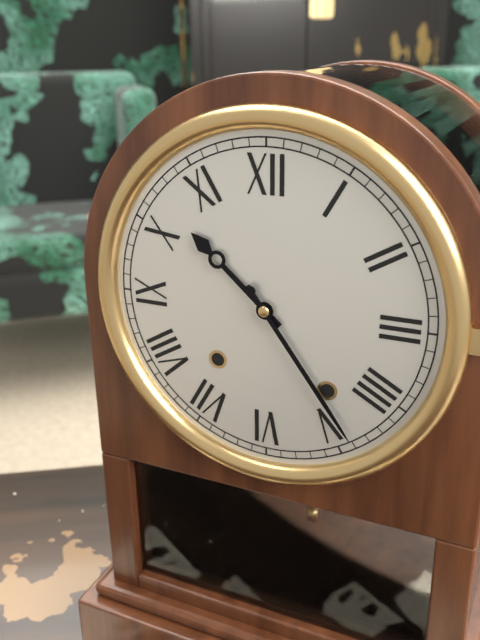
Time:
10h24
